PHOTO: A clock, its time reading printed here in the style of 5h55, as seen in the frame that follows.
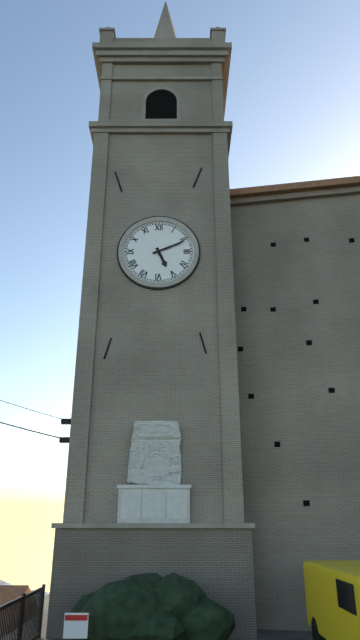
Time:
5h11
